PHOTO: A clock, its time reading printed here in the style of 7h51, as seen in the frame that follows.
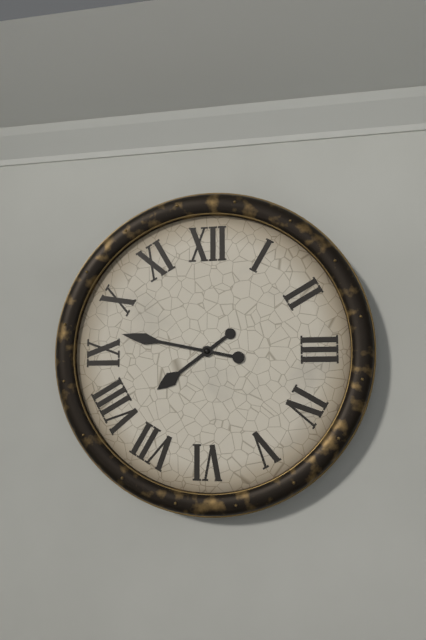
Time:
7h47
